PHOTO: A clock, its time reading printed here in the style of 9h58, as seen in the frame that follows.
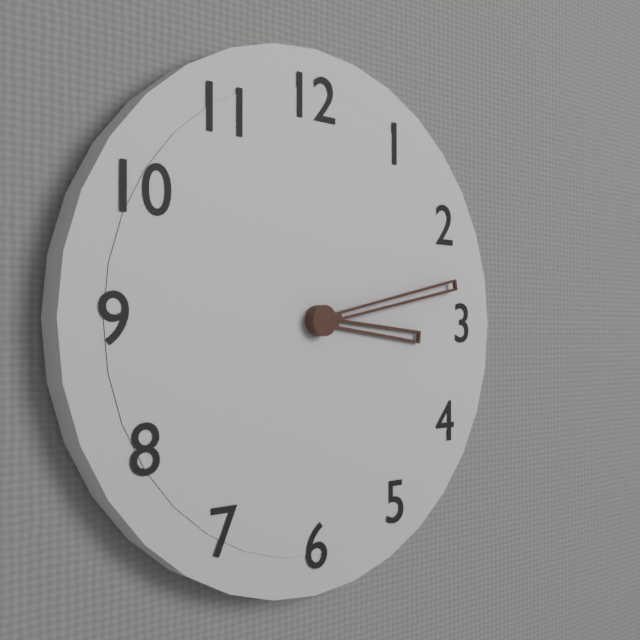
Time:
3h13
